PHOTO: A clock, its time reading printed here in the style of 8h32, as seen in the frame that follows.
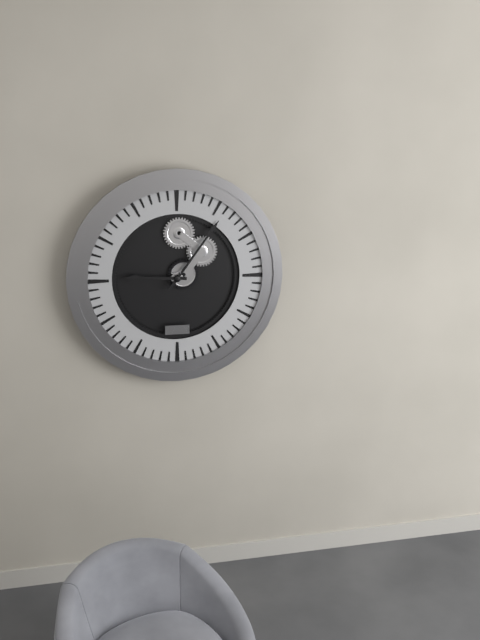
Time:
9h06
